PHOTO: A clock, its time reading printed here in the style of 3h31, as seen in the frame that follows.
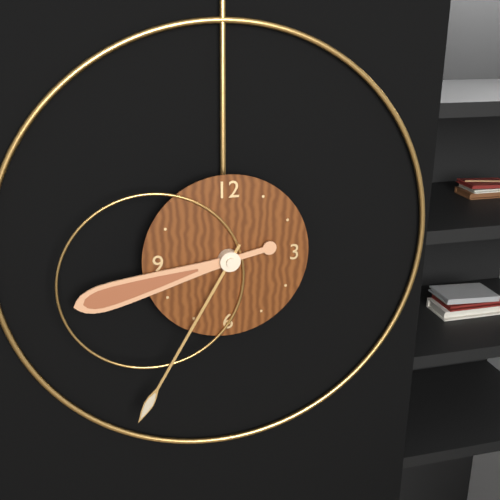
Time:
8h35
